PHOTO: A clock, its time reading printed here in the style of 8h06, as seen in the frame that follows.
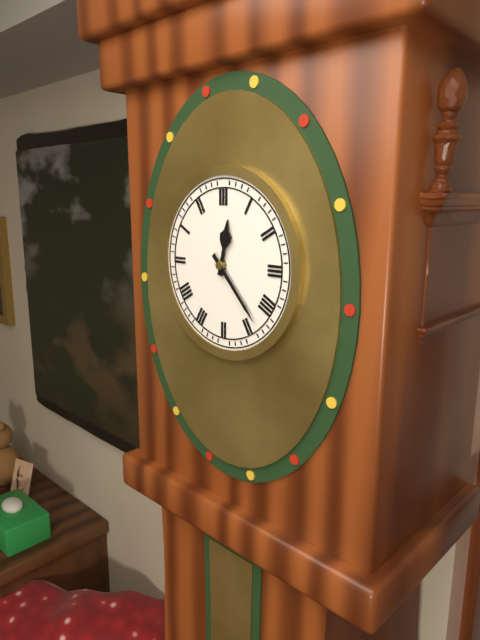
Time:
12h23
